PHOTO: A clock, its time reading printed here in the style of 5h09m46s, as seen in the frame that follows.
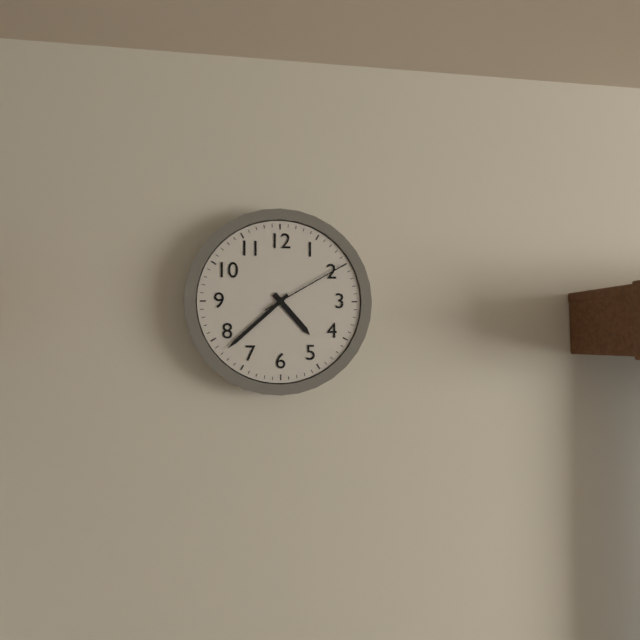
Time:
4h38m10s
